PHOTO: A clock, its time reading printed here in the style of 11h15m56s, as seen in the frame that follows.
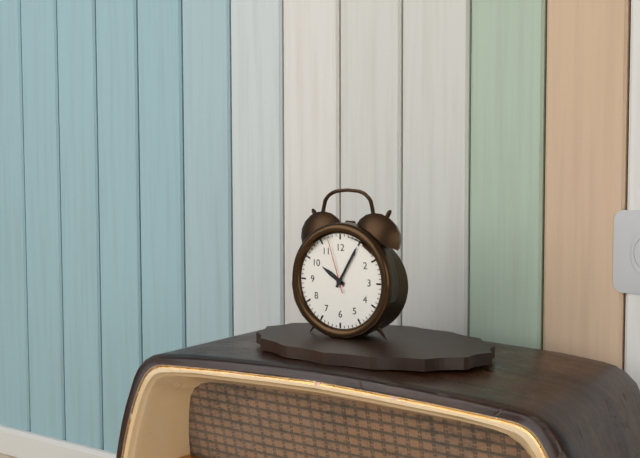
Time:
10h05m57s
